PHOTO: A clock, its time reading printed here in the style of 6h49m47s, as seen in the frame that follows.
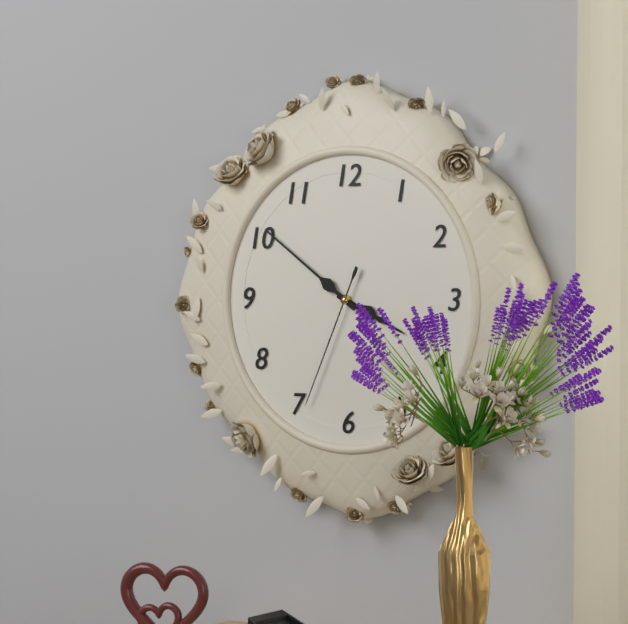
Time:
3h51m34s
